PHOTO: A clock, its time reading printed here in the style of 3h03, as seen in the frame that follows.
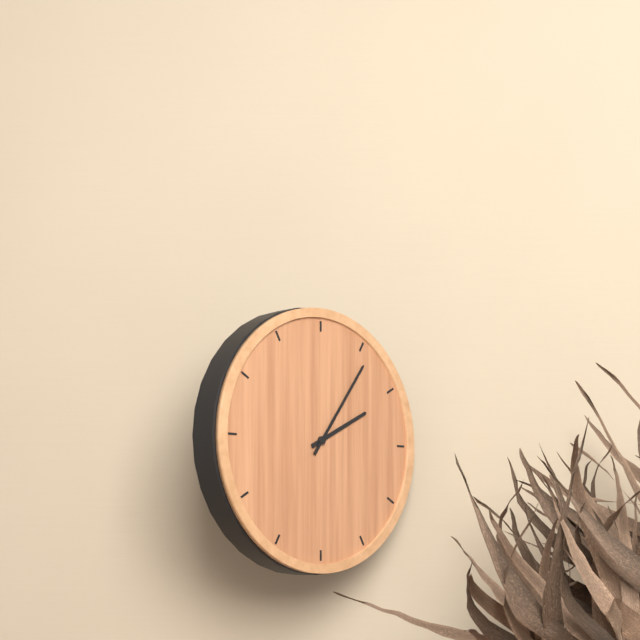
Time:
2h06
